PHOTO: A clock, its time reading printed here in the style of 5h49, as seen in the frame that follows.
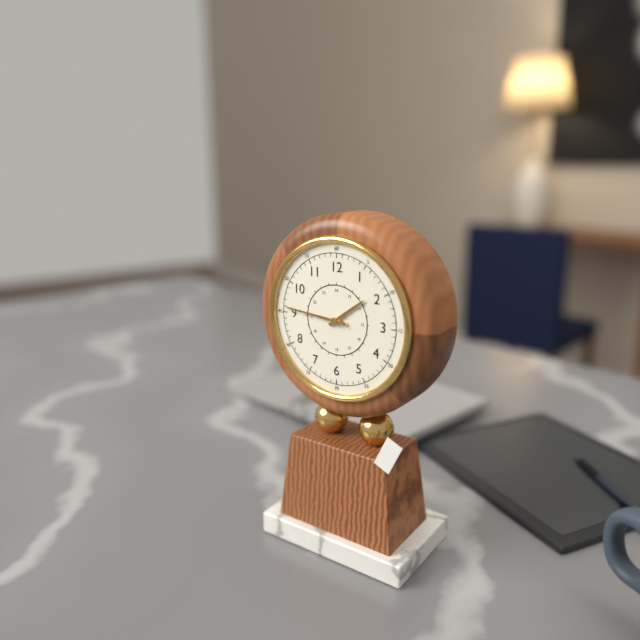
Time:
1h46
